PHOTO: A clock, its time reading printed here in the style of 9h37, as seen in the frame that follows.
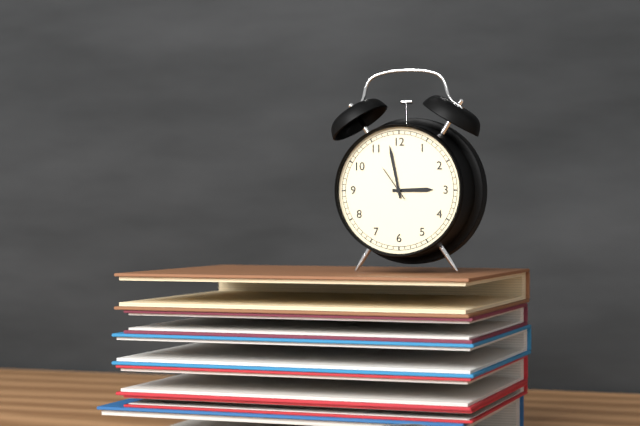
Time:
2h58
